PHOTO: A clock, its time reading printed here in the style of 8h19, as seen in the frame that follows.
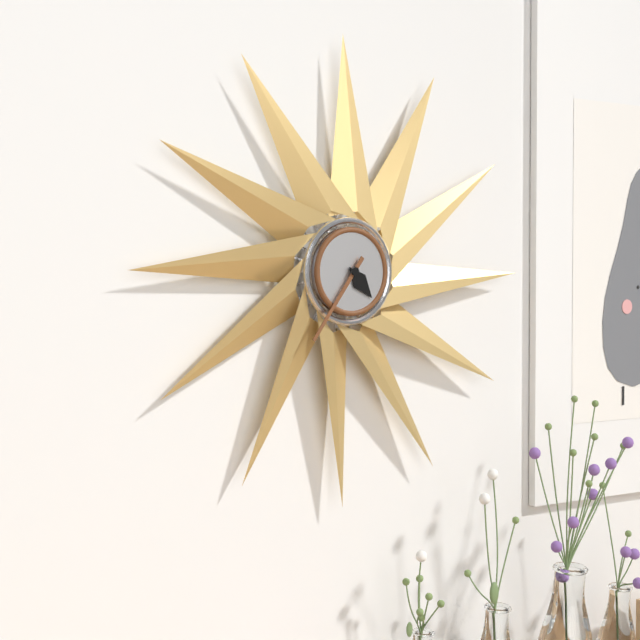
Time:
4h36
